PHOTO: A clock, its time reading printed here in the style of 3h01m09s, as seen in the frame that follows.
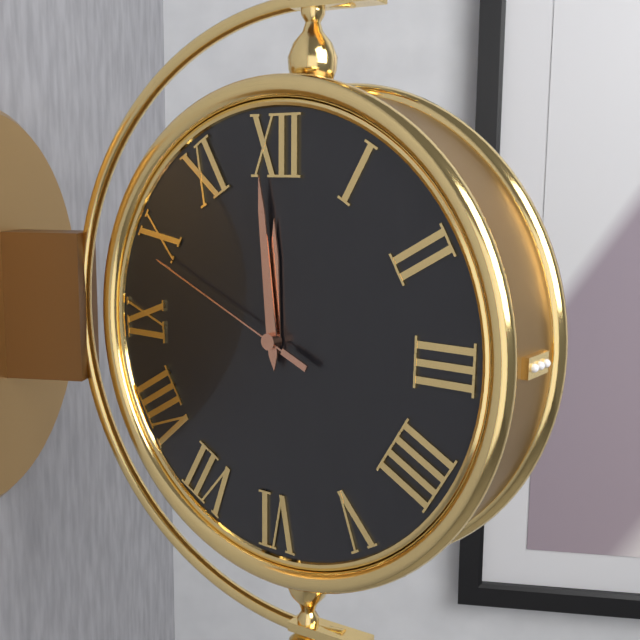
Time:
11h59m49s
